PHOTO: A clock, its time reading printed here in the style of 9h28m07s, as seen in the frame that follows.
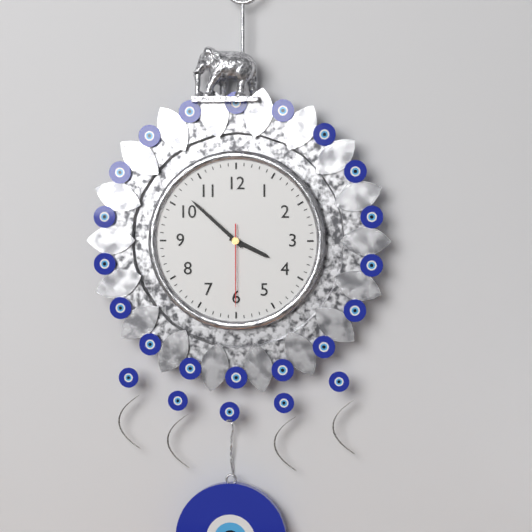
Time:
3h52m30s
